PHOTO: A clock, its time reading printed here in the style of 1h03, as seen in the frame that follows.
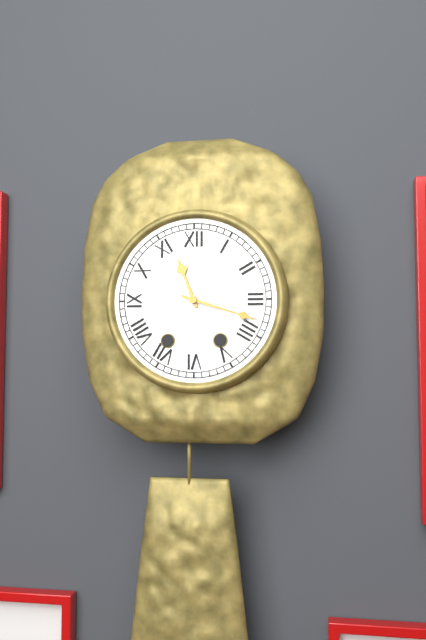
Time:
11h18
